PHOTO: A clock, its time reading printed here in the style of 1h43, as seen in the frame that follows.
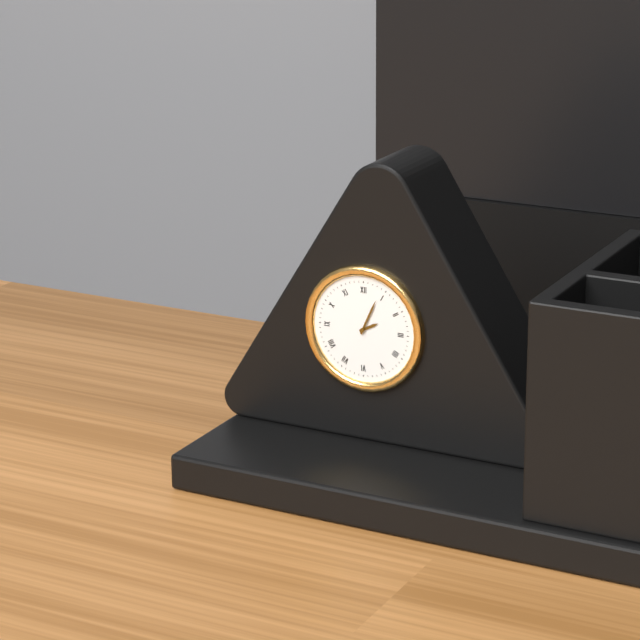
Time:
2h04
